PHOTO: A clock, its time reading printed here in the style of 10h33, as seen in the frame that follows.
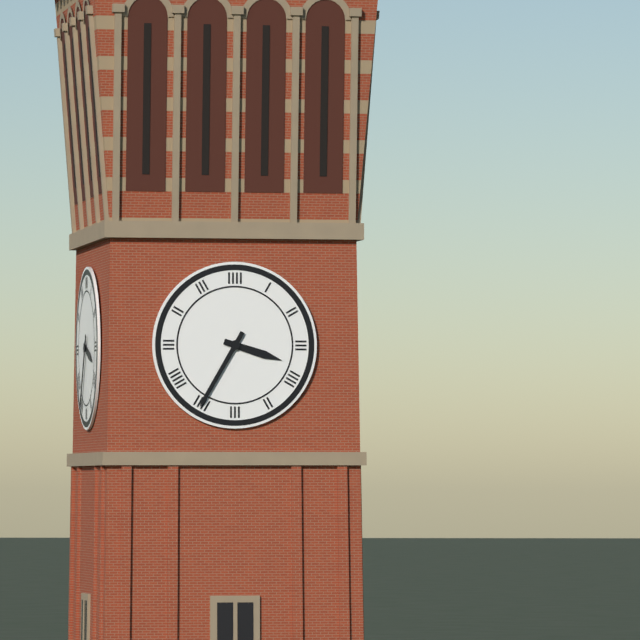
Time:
3h35
